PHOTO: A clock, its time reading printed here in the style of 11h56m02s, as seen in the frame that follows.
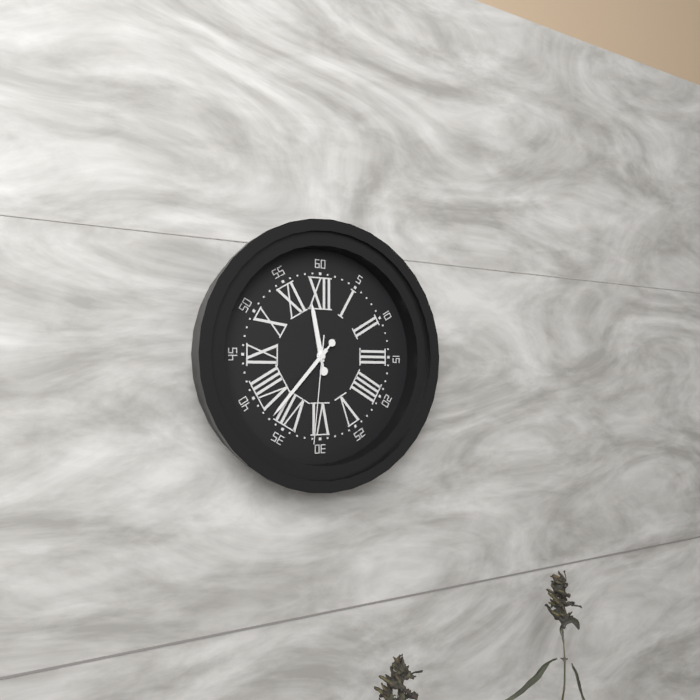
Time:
11h37m31s
